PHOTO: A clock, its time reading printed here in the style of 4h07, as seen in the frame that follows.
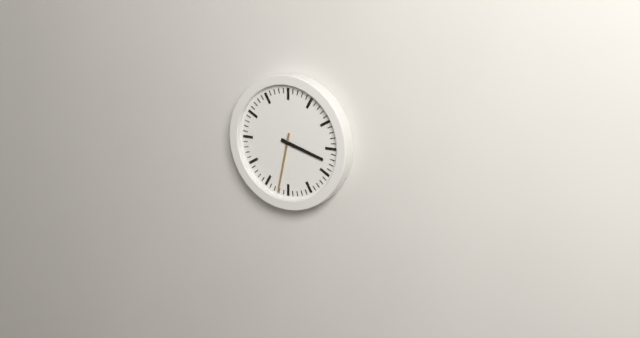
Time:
3h32
